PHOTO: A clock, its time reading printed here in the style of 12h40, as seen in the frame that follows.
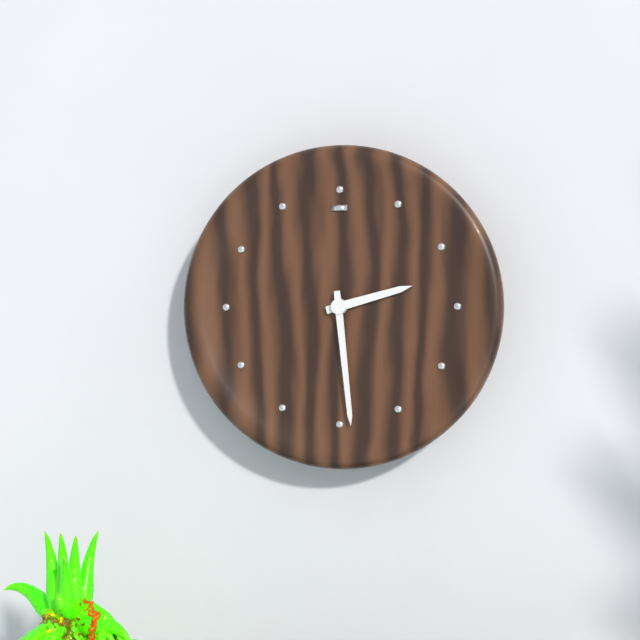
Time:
2h29
